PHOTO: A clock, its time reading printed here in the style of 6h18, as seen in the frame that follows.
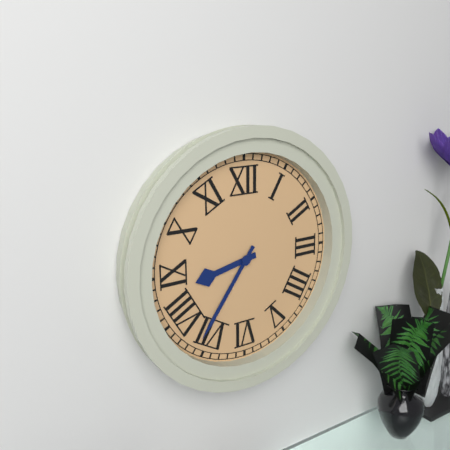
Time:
8h36
